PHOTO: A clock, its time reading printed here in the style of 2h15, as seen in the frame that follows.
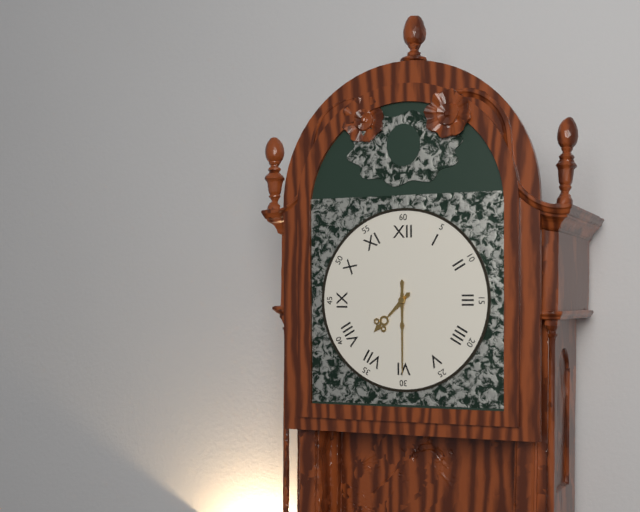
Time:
7h30
